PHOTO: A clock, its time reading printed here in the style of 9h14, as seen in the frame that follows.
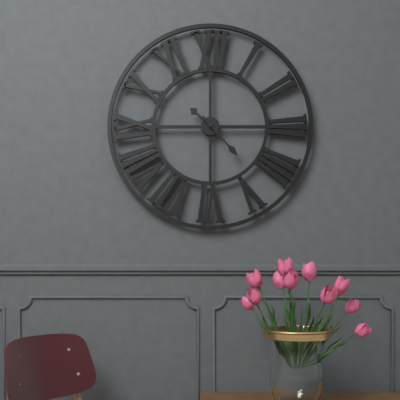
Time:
10h23
